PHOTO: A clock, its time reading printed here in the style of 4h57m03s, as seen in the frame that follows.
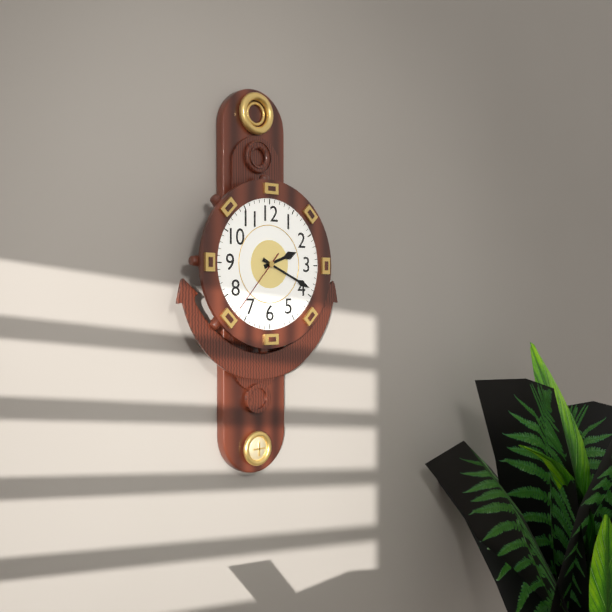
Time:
2h19m37s
